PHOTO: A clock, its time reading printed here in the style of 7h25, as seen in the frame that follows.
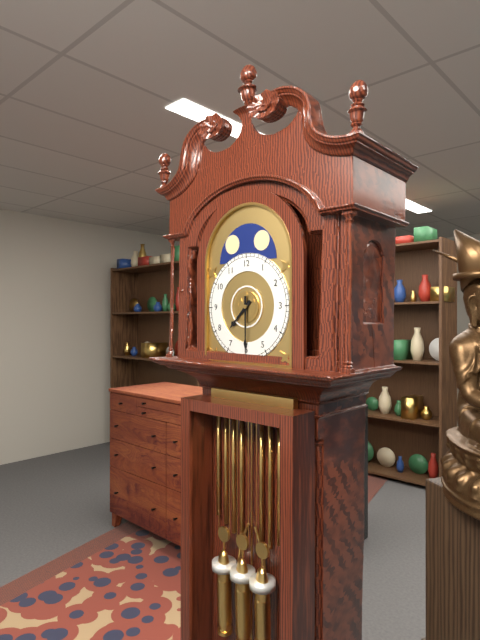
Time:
7h30
